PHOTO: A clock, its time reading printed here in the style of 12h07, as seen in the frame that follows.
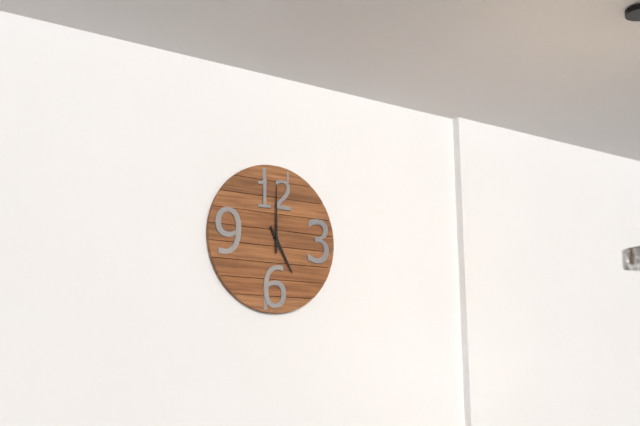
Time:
5h00
